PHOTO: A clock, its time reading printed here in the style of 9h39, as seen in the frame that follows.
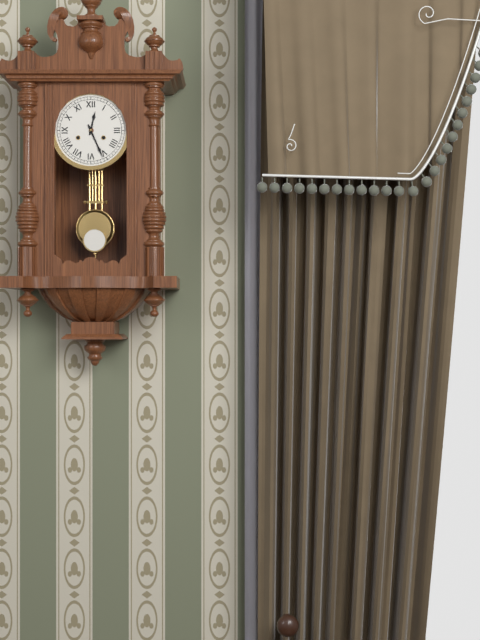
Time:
12h26
